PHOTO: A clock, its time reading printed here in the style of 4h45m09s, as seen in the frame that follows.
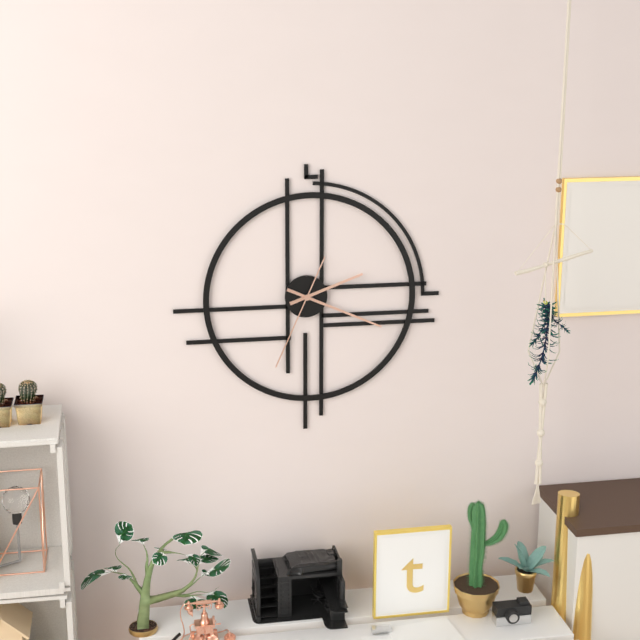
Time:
2h19m34s
